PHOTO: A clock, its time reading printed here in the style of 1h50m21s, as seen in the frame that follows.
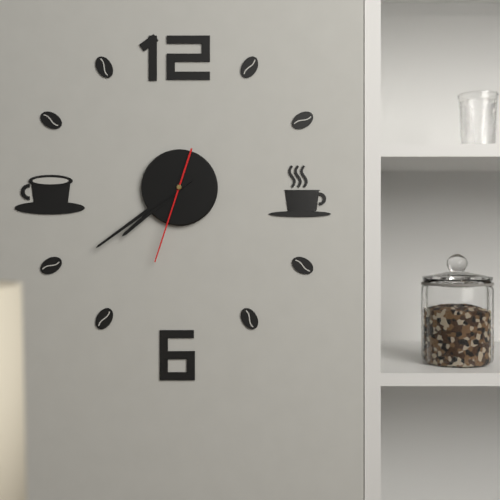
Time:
7h39m33s
